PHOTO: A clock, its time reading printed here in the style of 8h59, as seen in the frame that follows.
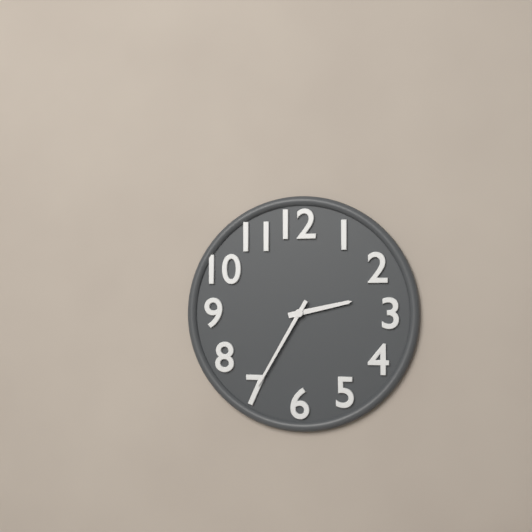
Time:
2h35
